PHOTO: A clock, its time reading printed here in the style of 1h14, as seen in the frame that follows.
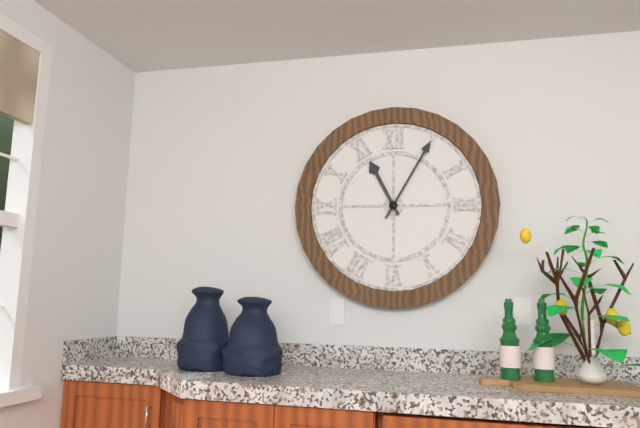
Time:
11h05
